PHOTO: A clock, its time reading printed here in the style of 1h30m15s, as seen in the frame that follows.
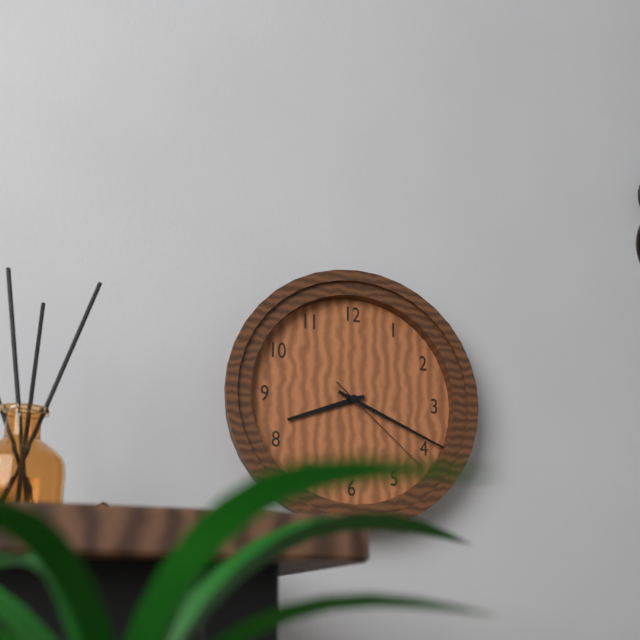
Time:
8h19m22s
